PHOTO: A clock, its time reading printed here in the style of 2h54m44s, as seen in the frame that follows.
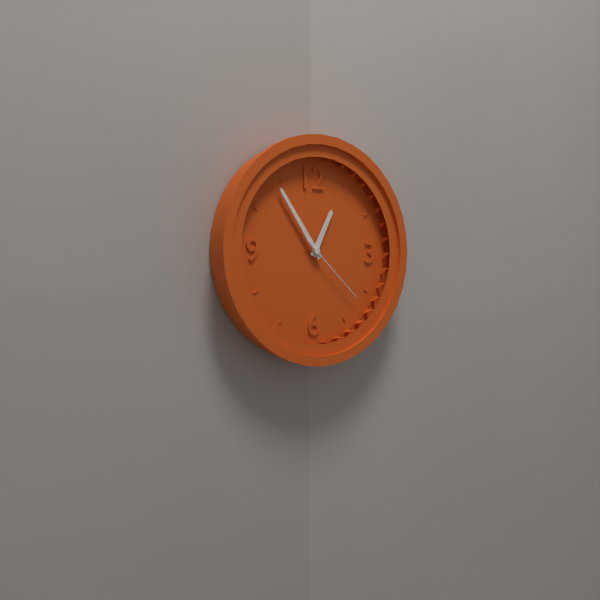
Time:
12h54m22s
